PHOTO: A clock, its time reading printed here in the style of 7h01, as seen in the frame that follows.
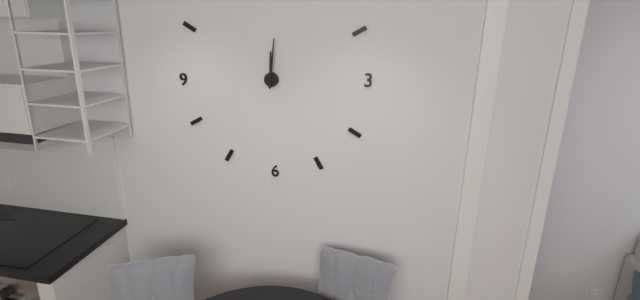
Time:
12h01
